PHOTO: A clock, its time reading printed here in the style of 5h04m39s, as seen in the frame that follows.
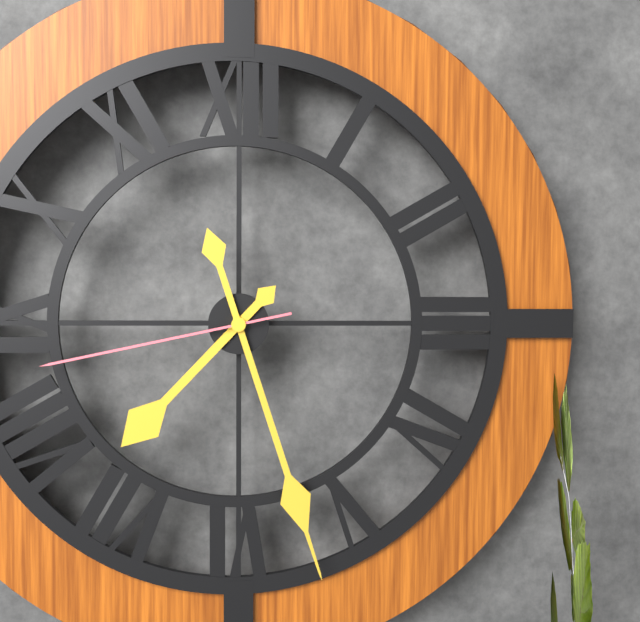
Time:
7h27m43s
